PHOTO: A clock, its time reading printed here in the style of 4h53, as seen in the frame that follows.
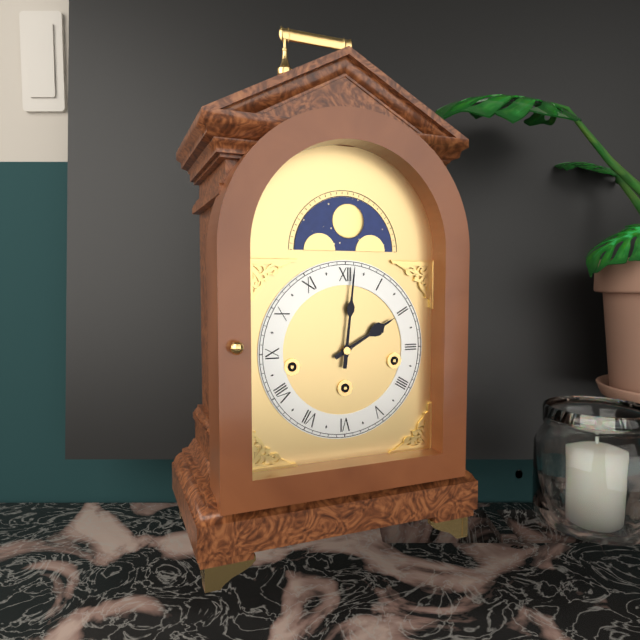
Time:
2h01
